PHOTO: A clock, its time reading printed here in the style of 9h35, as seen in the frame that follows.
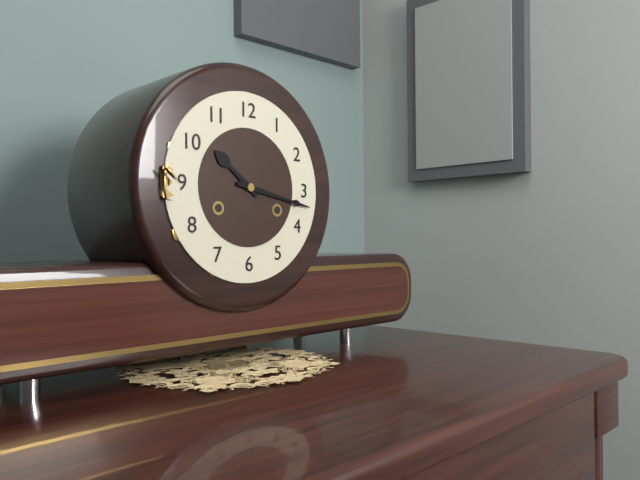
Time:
10h17
